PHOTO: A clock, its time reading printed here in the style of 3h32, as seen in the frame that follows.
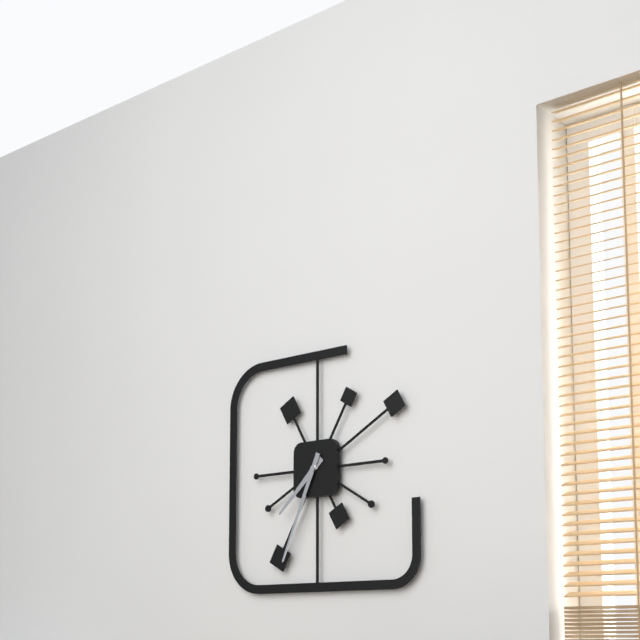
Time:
7h34
